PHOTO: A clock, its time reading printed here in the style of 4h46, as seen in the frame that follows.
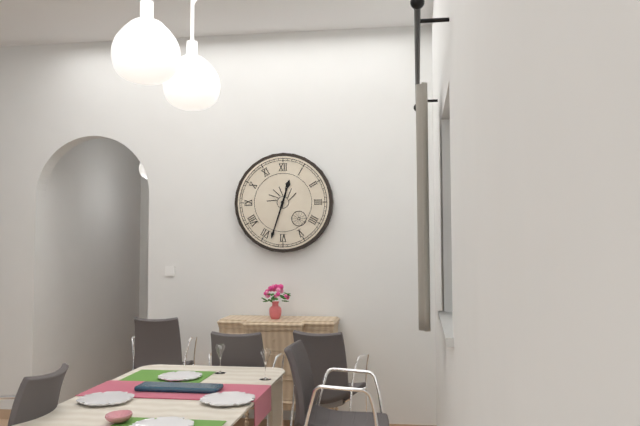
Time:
12h33
